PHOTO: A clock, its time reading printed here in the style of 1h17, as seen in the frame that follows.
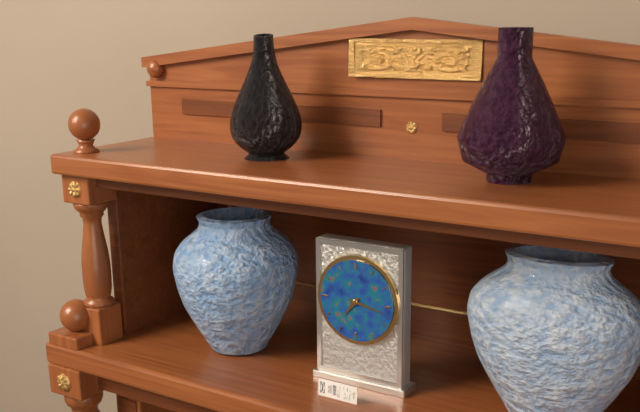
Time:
7h17
